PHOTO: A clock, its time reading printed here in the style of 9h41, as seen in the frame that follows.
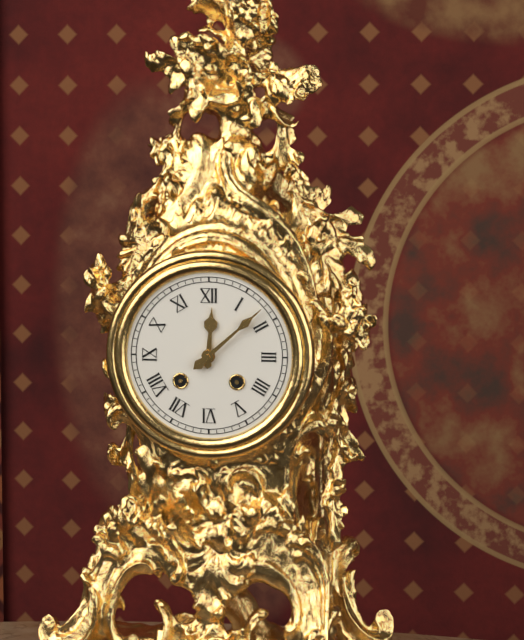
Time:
12h08
